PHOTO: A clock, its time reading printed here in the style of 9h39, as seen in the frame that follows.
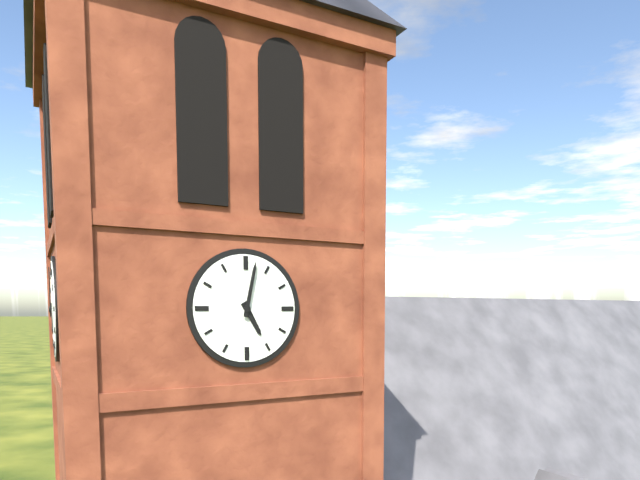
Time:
5h02
